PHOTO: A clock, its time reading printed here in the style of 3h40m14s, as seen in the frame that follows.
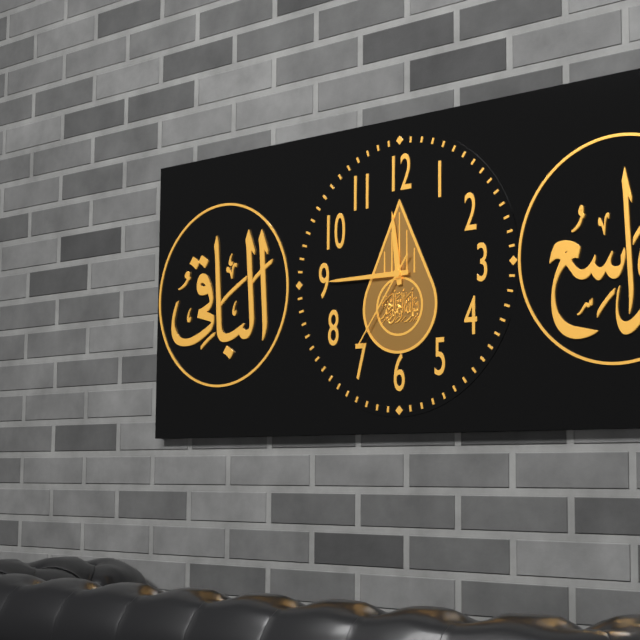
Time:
11h45m36s
